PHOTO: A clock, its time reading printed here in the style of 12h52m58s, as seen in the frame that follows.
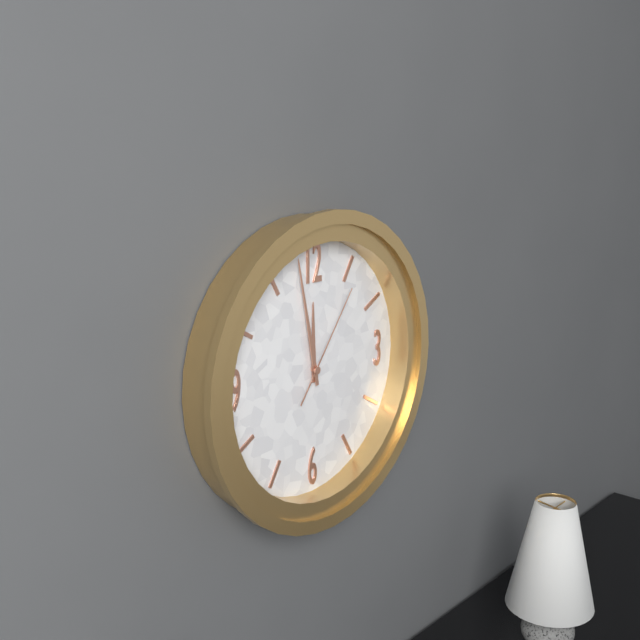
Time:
11h58m06s
